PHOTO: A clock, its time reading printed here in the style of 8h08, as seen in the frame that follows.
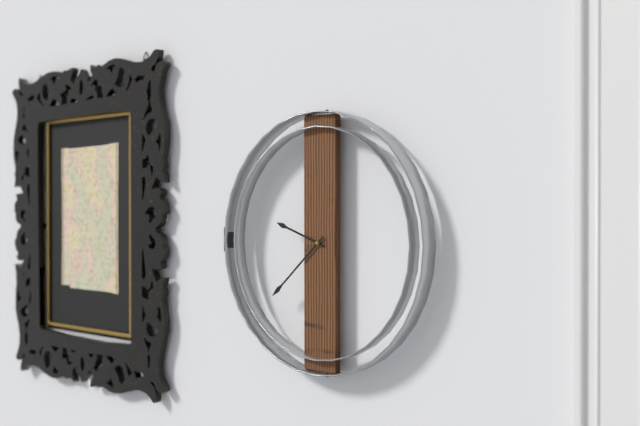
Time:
9h38
